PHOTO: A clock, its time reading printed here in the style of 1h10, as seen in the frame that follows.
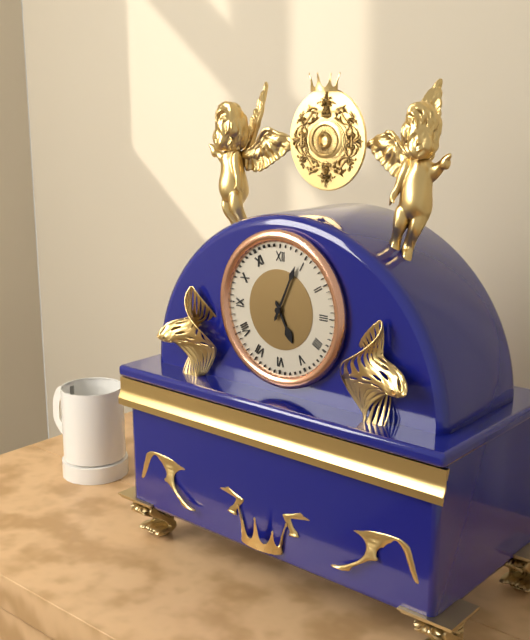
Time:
5h04
